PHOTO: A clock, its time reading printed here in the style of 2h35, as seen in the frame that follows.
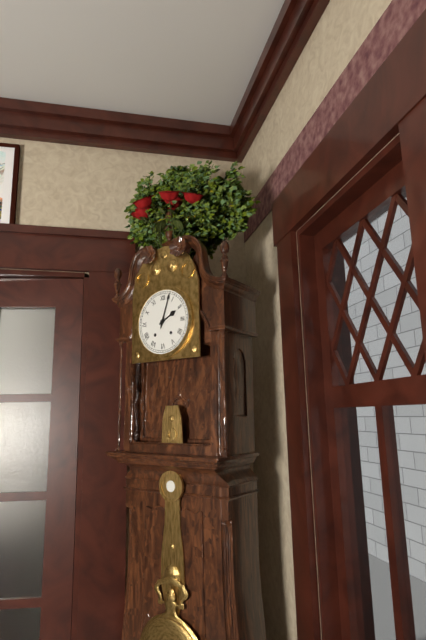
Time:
2h03
